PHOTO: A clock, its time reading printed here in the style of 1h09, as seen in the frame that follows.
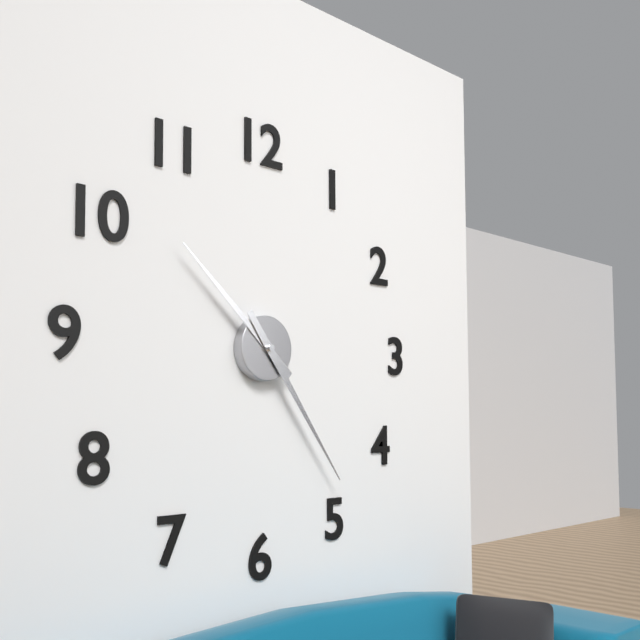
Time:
10h24
